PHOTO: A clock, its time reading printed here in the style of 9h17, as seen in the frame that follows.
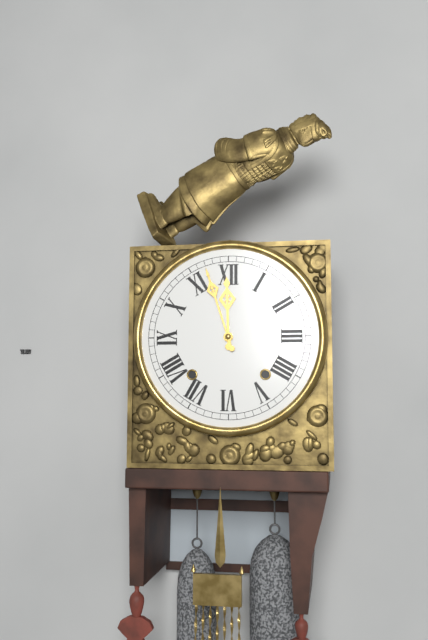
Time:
11h57
